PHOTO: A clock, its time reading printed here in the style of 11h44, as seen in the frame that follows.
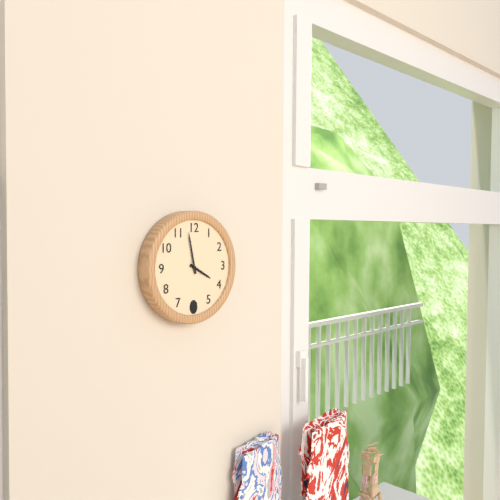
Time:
3h58
